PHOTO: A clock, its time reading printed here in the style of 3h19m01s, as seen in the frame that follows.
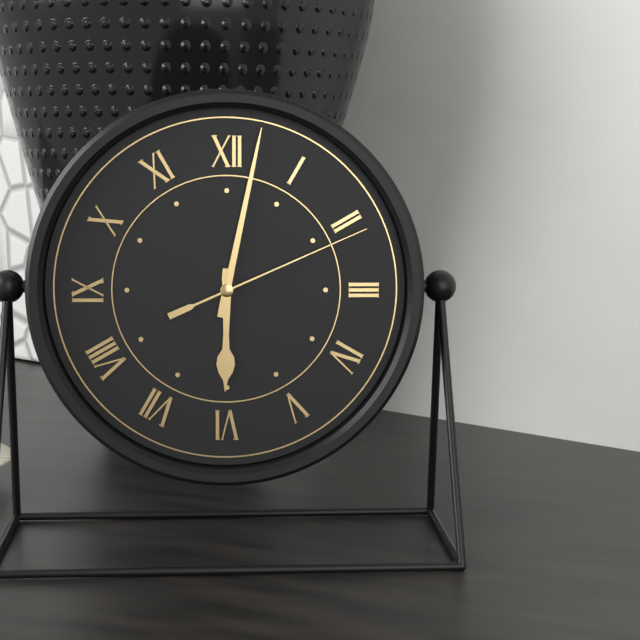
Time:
6h02m11s
